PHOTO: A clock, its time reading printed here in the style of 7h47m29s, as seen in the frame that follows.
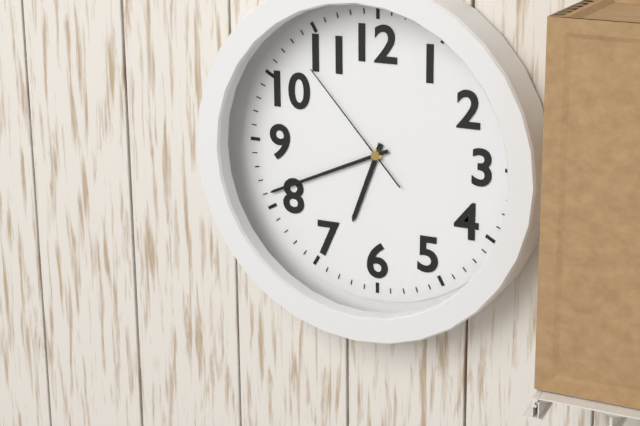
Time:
6h41m53s
